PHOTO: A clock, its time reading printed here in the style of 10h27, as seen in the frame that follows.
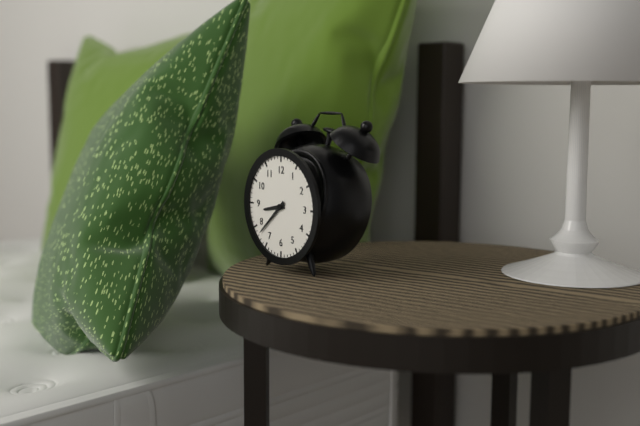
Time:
8h38
